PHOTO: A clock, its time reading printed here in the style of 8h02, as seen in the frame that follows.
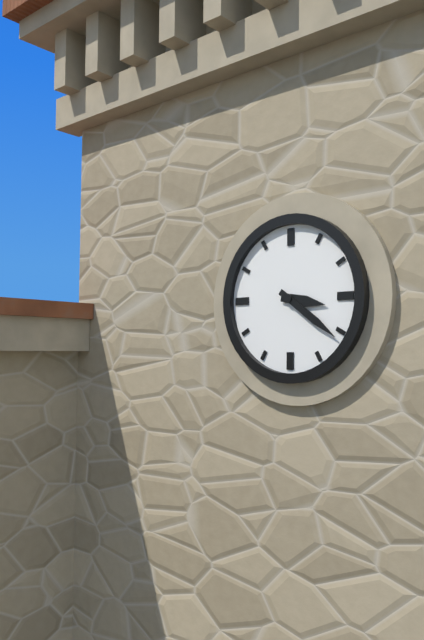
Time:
3h21
